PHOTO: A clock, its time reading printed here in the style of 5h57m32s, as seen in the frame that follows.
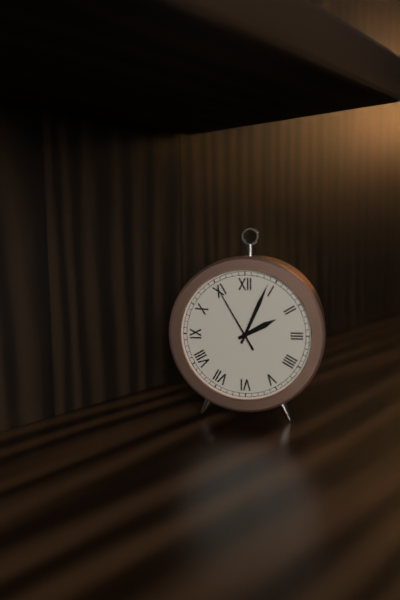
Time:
2h04m55s
